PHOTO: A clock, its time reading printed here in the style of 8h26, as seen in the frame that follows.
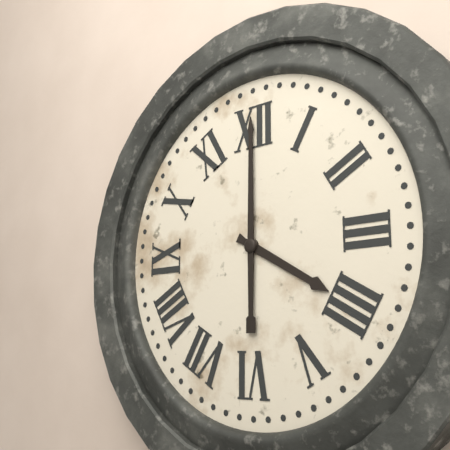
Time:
4h00
